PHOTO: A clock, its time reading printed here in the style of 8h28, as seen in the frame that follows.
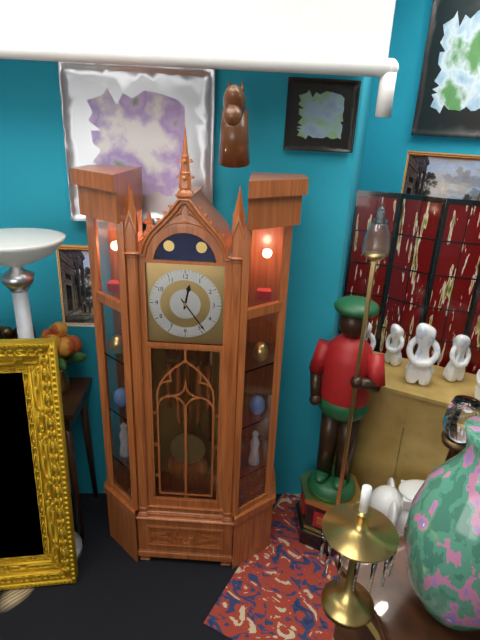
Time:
12h24
